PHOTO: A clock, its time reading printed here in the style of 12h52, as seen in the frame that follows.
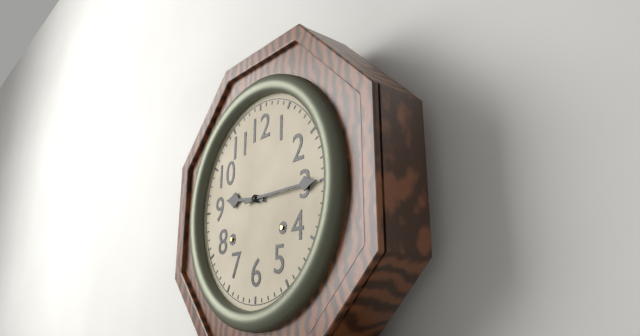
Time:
9h15
